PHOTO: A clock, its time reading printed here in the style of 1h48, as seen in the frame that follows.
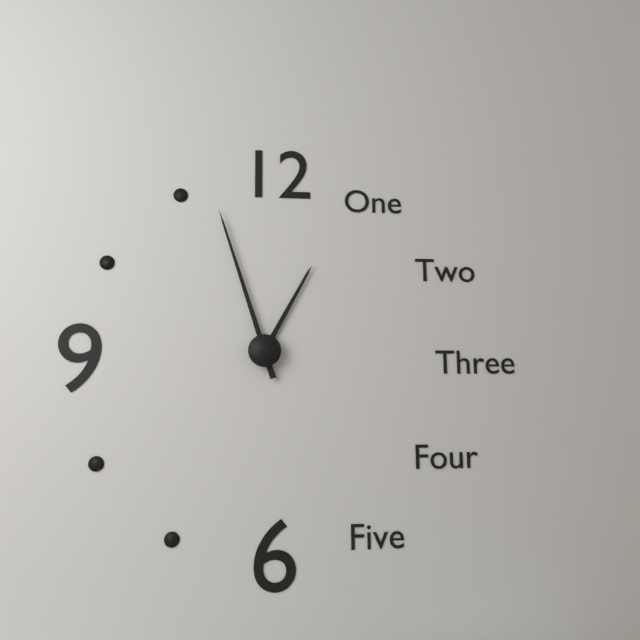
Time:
12h57
